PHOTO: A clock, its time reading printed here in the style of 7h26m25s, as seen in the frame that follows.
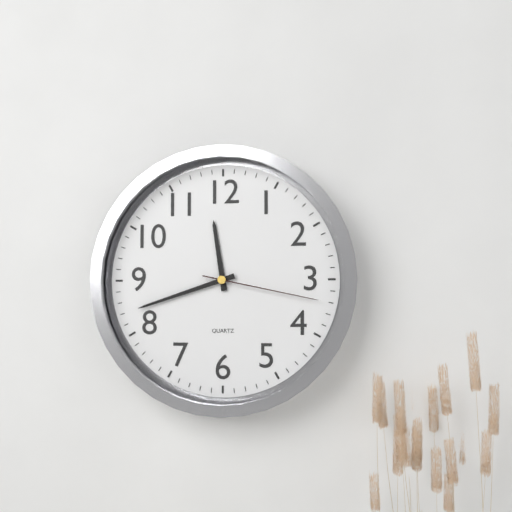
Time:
11h42m17s
